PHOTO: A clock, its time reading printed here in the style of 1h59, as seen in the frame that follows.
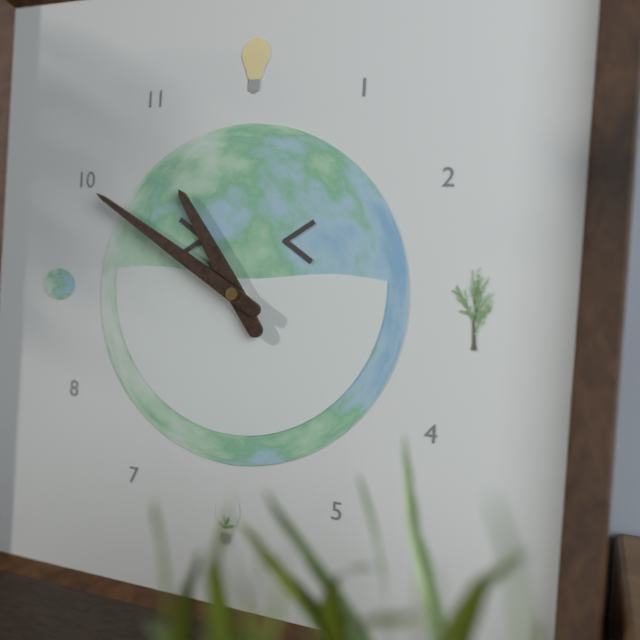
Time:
10h50
